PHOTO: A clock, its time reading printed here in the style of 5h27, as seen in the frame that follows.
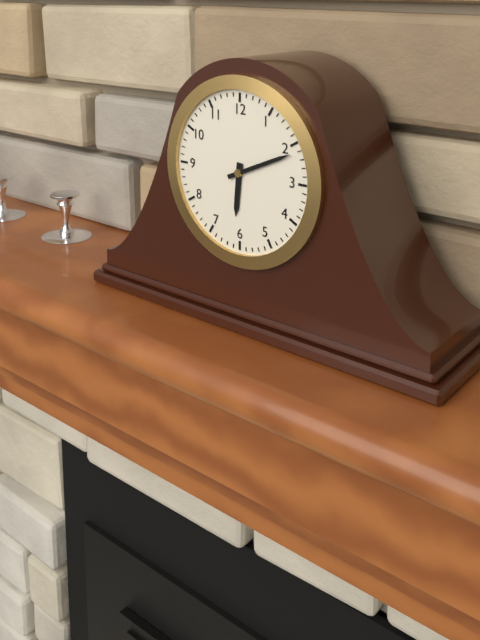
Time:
6h11
